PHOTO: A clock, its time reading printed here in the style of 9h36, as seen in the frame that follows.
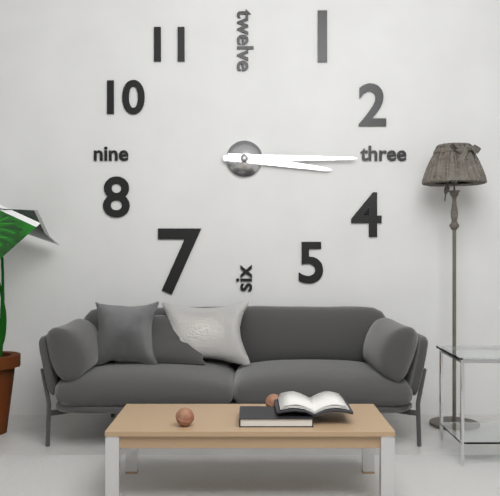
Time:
3h15
